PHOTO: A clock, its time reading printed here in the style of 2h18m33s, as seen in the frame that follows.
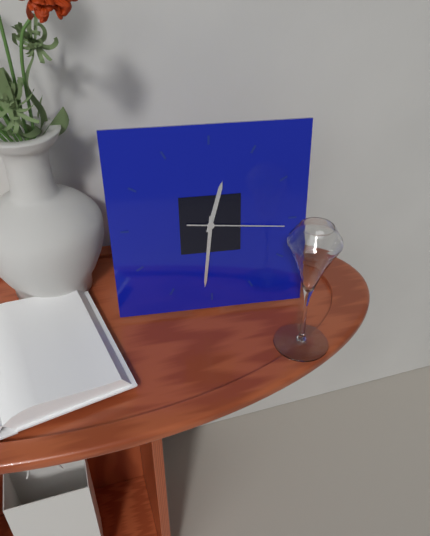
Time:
12h31m16s
